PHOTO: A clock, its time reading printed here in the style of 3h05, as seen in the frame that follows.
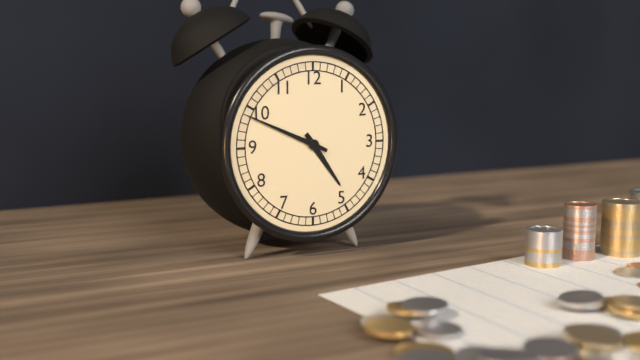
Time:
4h49
